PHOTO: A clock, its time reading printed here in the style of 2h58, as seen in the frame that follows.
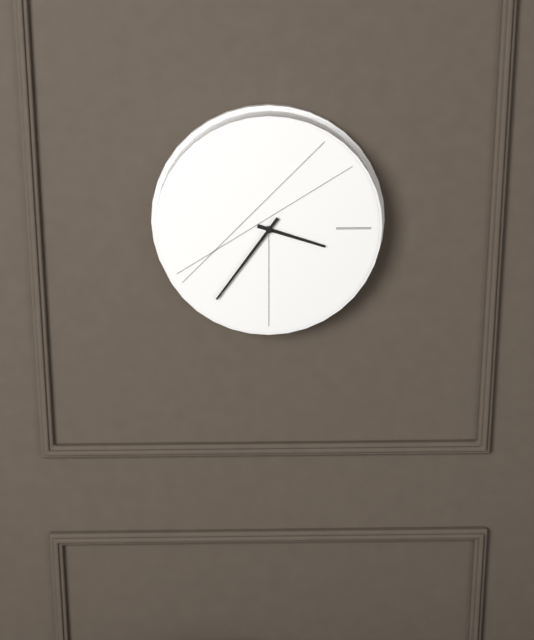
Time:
3h36
